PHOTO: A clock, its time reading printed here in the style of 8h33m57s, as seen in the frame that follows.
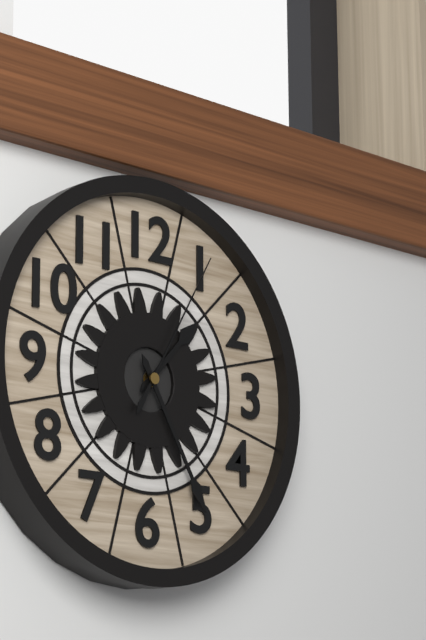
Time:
1h25m05s
